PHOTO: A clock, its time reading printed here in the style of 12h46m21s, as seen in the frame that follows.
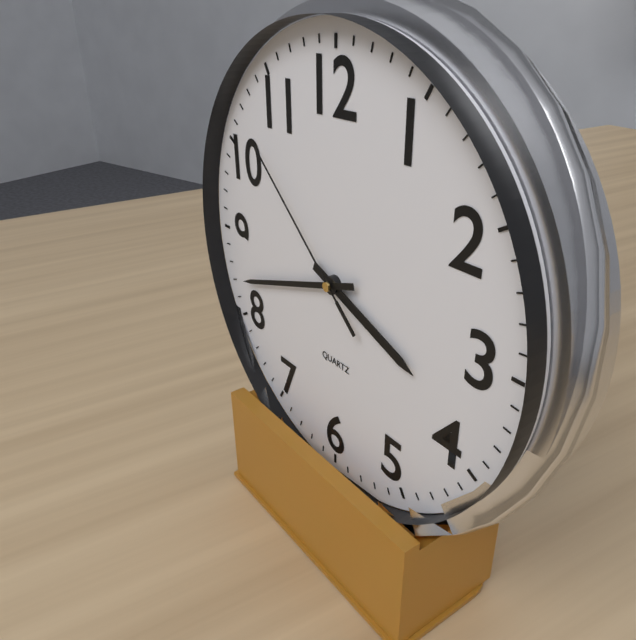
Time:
3h42m52s
